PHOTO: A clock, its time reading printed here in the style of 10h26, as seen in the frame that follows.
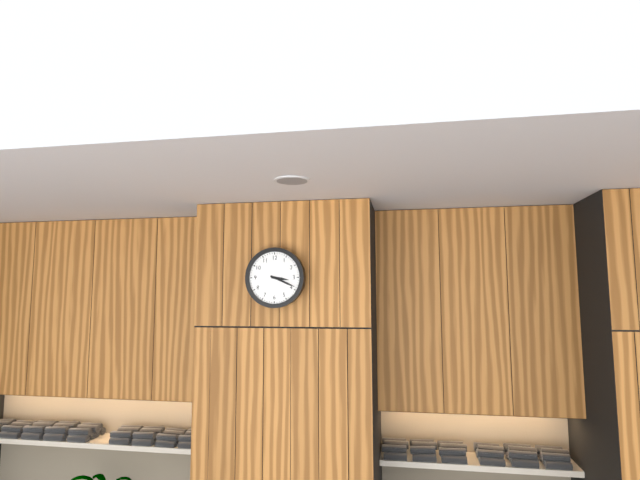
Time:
3h19
